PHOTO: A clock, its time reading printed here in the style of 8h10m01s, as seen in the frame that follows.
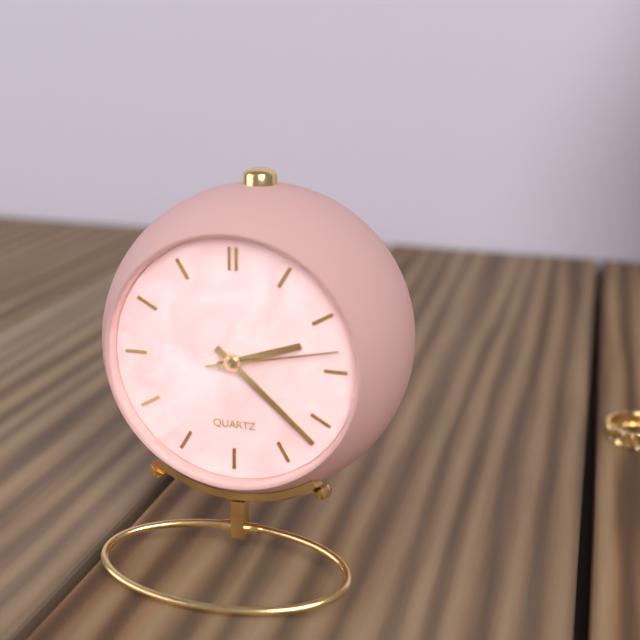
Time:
2h22m13s
